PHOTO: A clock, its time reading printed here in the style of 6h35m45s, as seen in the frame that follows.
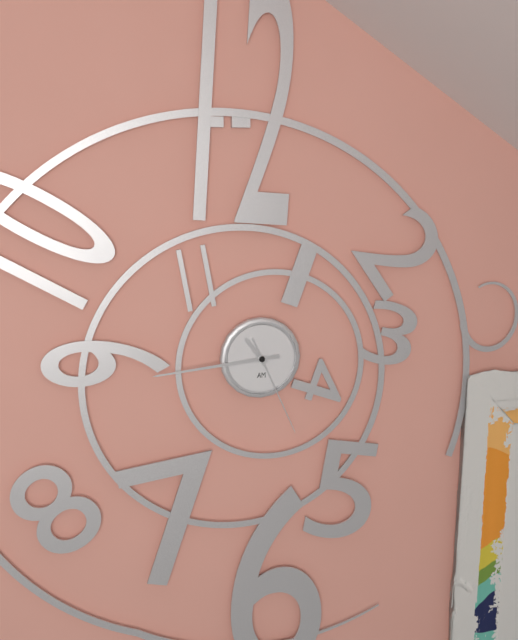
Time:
10h44m26s
